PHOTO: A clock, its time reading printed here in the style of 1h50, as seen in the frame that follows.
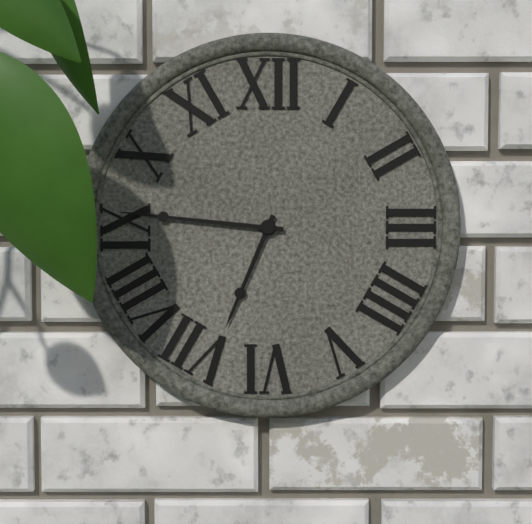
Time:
6h46
